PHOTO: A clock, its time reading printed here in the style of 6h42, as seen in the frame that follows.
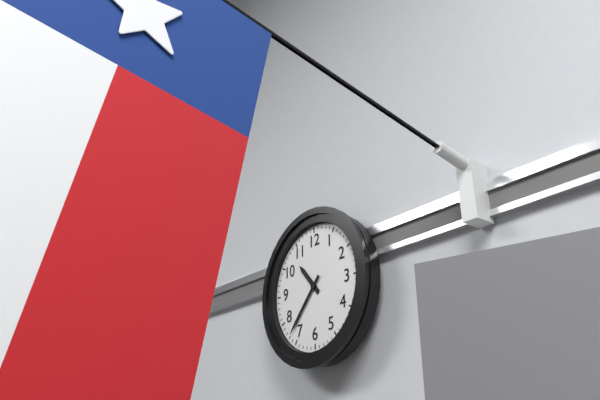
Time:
10h37
